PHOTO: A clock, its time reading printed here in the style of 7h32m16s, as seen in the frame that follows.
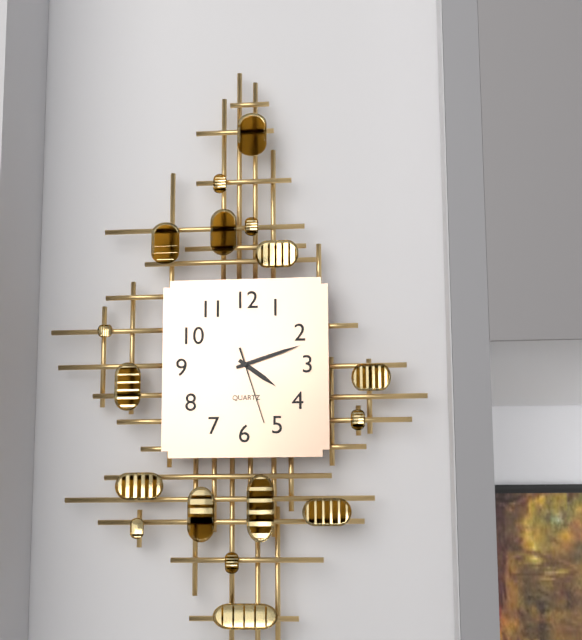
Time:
4h12m27s
